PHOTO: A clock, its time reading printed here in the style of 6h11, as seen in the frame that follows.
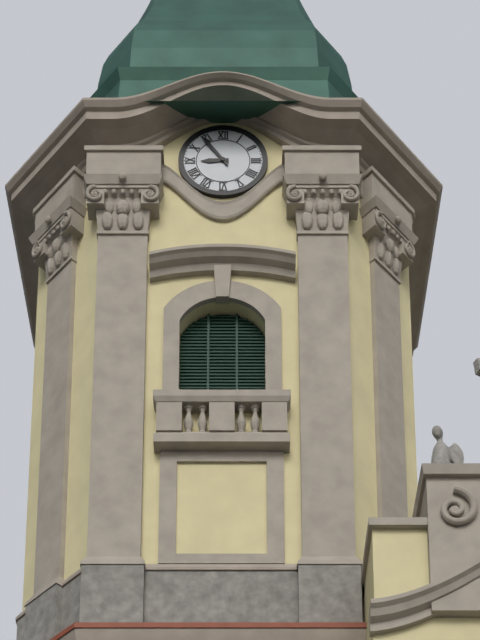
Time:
8h54
